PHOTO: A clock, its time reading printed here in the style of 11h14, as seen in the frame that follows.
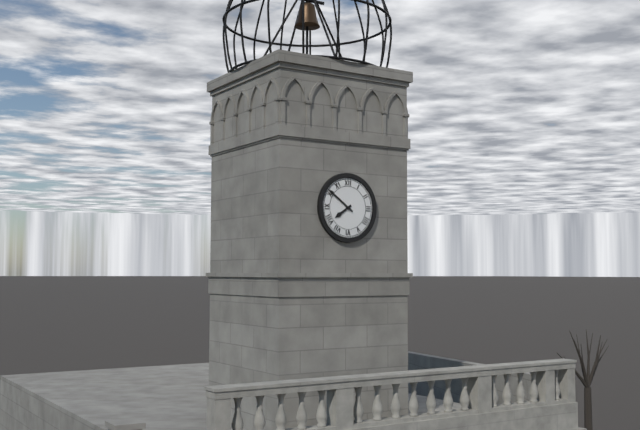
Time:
7h51
